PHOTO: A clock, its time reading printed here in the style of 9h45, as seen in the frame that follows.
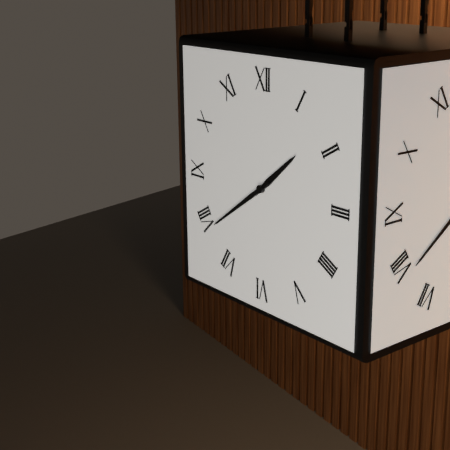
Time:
1h39
